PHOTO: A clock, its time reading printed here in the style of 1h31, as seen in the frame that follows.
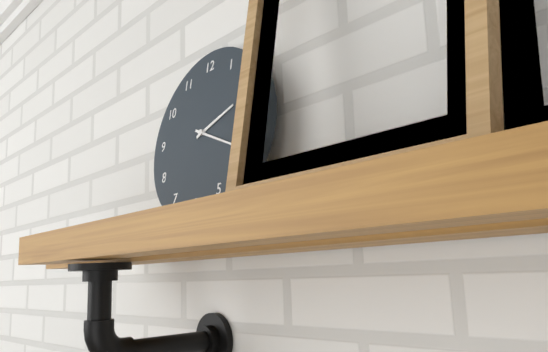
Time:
2h19
